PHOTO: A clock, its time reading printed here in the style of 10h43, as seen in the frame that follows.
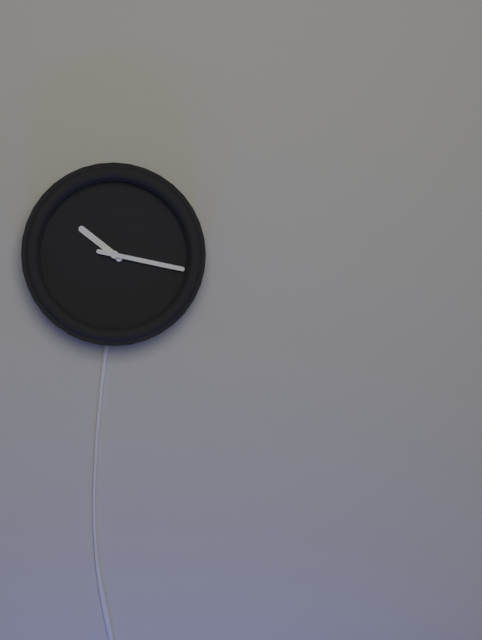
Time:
10h17
